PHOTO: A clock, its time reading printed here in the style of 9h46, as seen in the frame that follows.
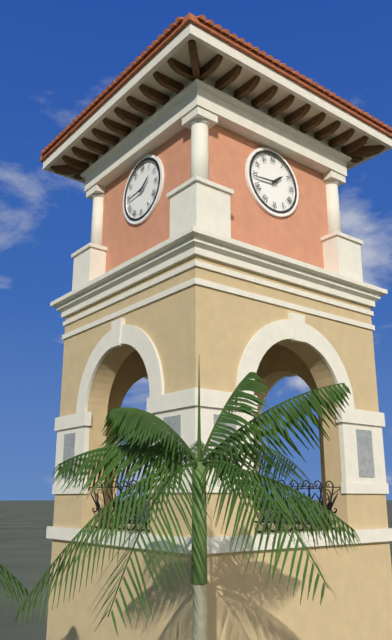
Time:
1h44
